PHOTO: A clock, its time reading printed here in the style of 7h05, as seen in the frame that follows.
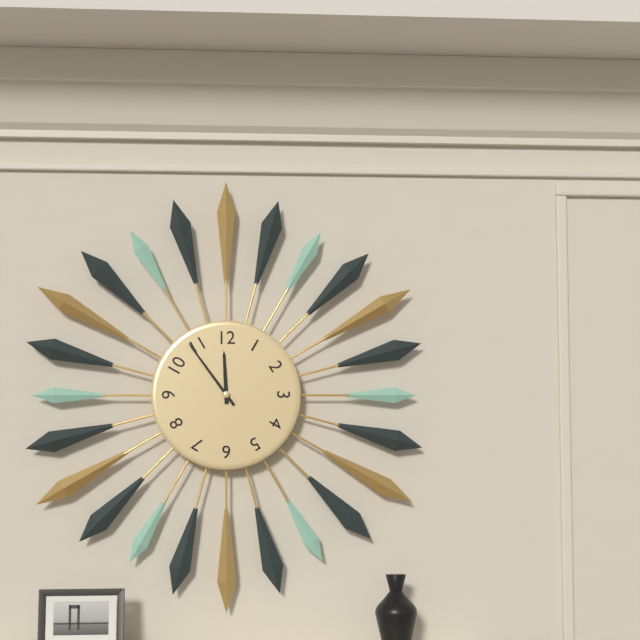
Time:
11h54
